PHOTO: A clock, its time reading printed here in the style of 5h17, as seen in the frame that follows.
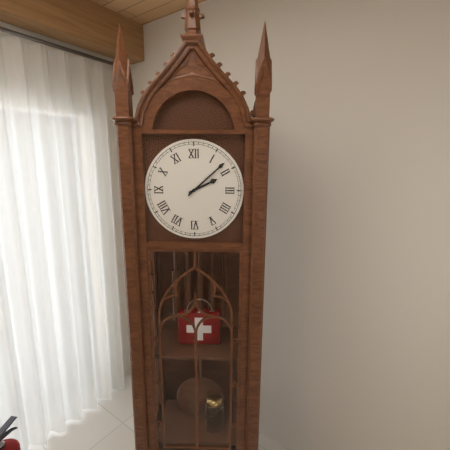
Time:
2h08
